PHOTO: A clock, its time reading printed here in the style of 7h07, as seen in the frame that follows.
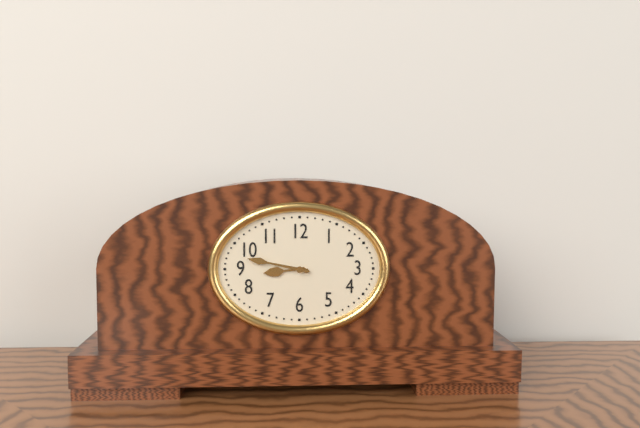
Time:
8h47
